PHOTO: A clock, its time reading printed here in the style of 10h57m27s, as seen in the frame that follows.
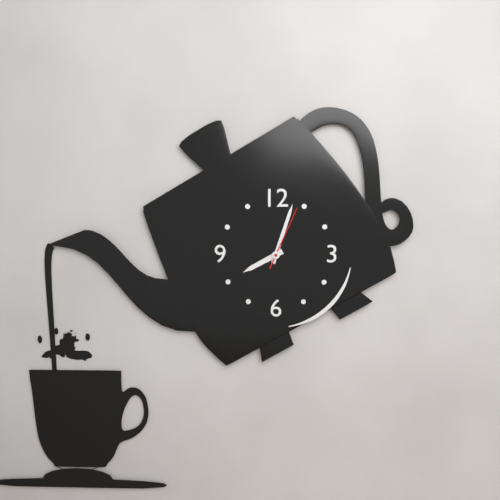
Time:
8h03m04s
